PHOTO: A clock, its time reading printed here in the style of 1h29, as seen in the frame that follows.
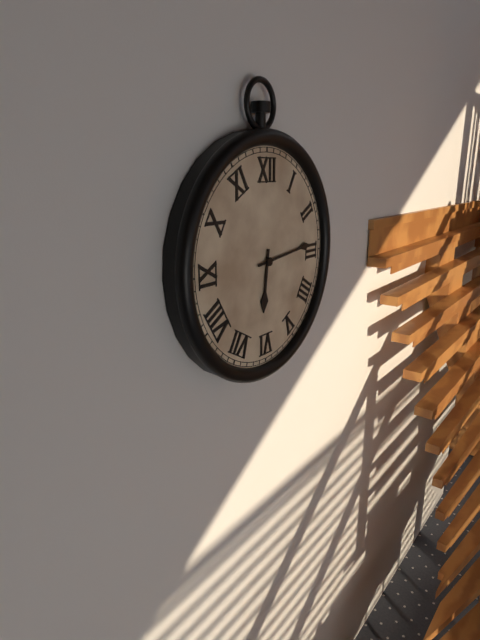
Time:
6h14
